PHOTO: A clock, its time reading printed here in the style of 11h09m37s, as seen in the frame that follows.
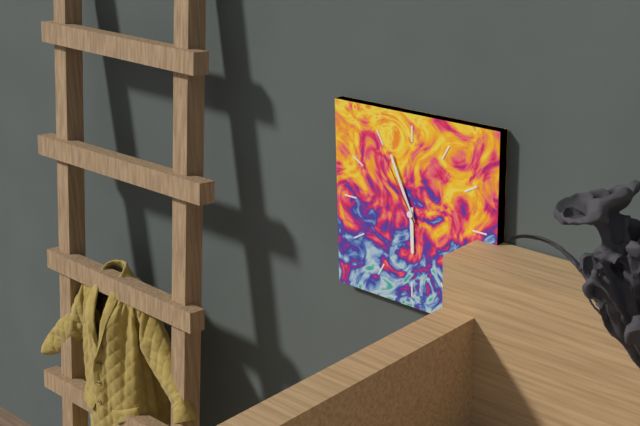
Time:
5h56m55s
